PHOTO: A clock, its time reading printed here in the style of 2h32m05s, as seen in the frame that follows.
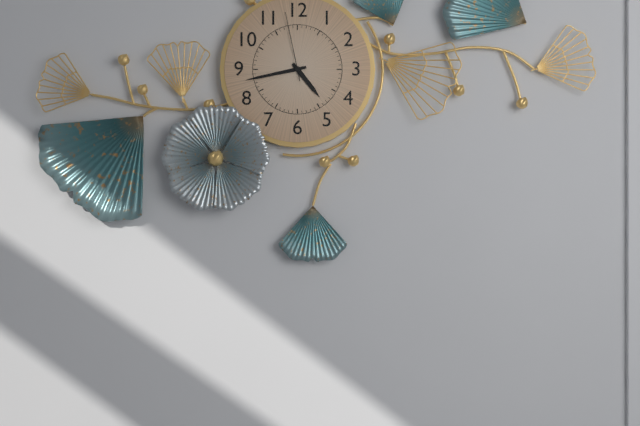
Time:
4h43m58s
